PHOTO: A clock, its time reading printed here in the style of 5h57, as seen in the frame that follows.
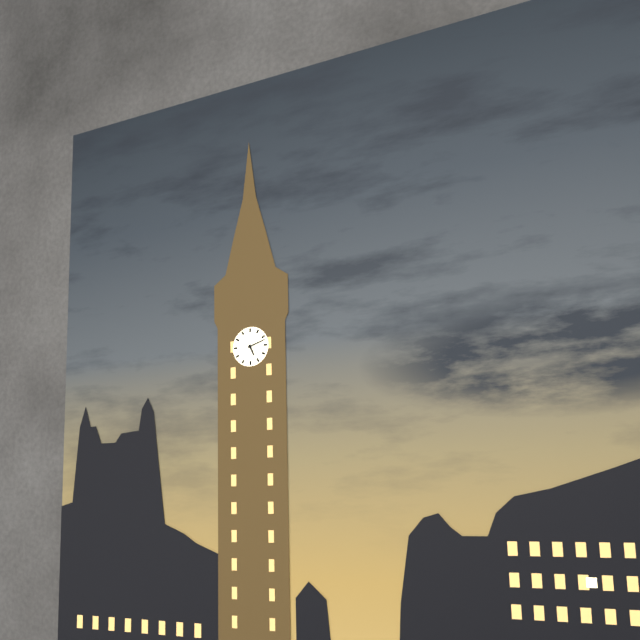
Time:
5h12
